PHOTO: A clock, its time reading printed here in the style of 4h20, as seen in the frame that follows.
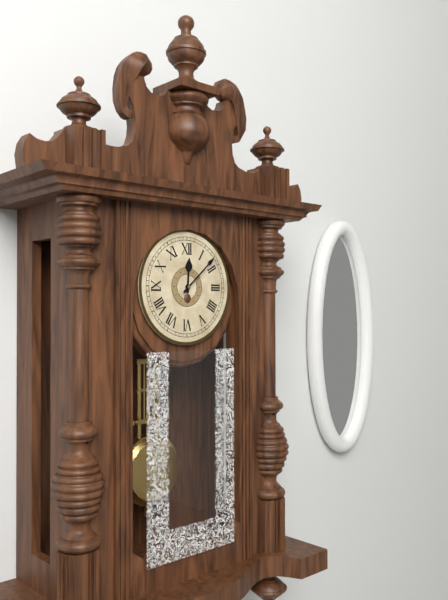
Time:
12h08
